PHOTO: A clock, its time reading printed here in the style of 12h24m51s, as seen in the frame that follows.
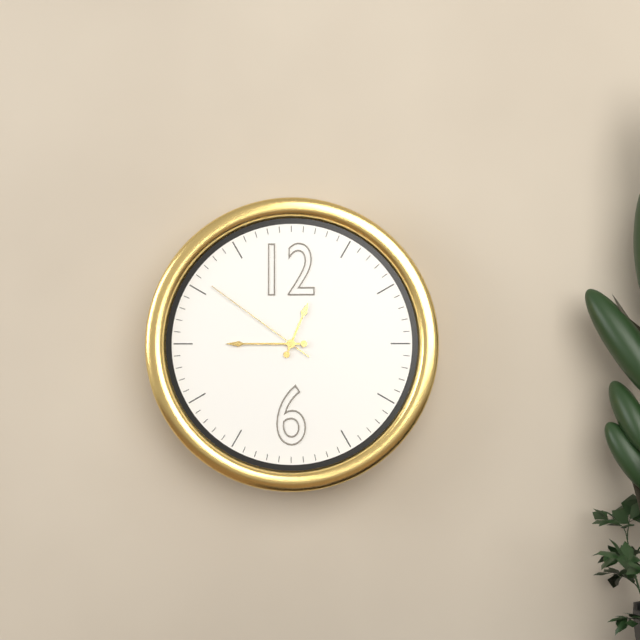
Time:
12h45m51s
